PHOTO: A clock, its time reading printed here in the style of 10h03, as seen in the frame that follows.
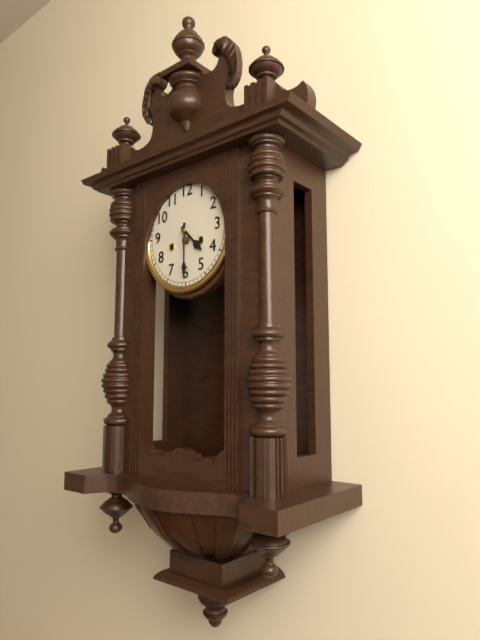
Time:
4h30
